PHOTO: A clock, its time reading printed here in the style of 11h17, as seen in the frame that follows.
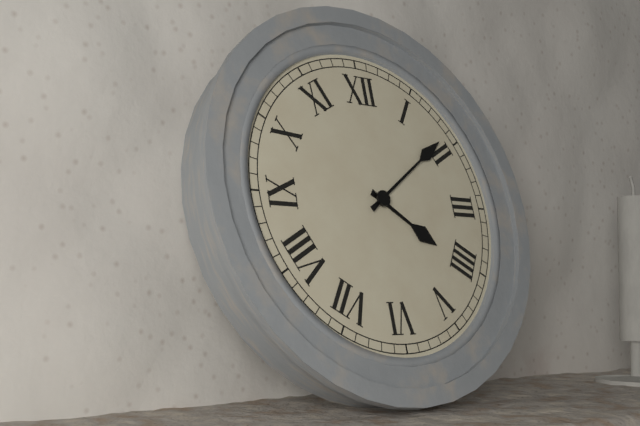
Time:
4h09
